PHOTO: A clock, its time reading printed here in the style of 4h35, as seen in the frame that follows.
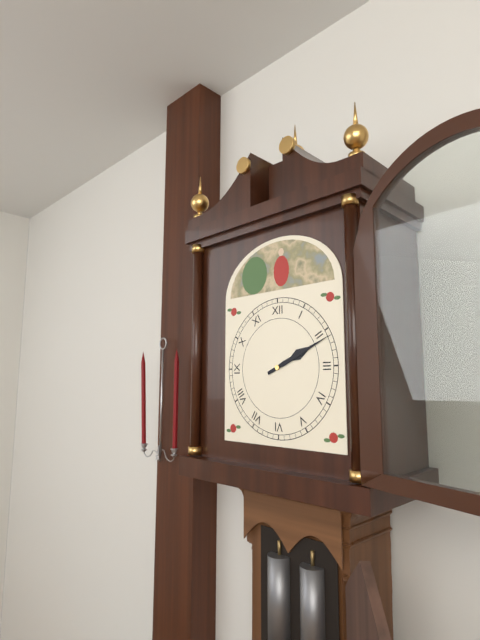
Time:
2h11
